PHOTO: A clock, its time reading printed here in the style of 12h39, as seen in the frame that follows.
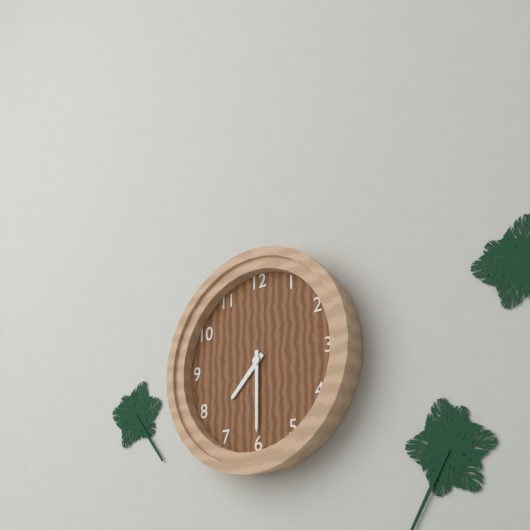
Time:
7h30
